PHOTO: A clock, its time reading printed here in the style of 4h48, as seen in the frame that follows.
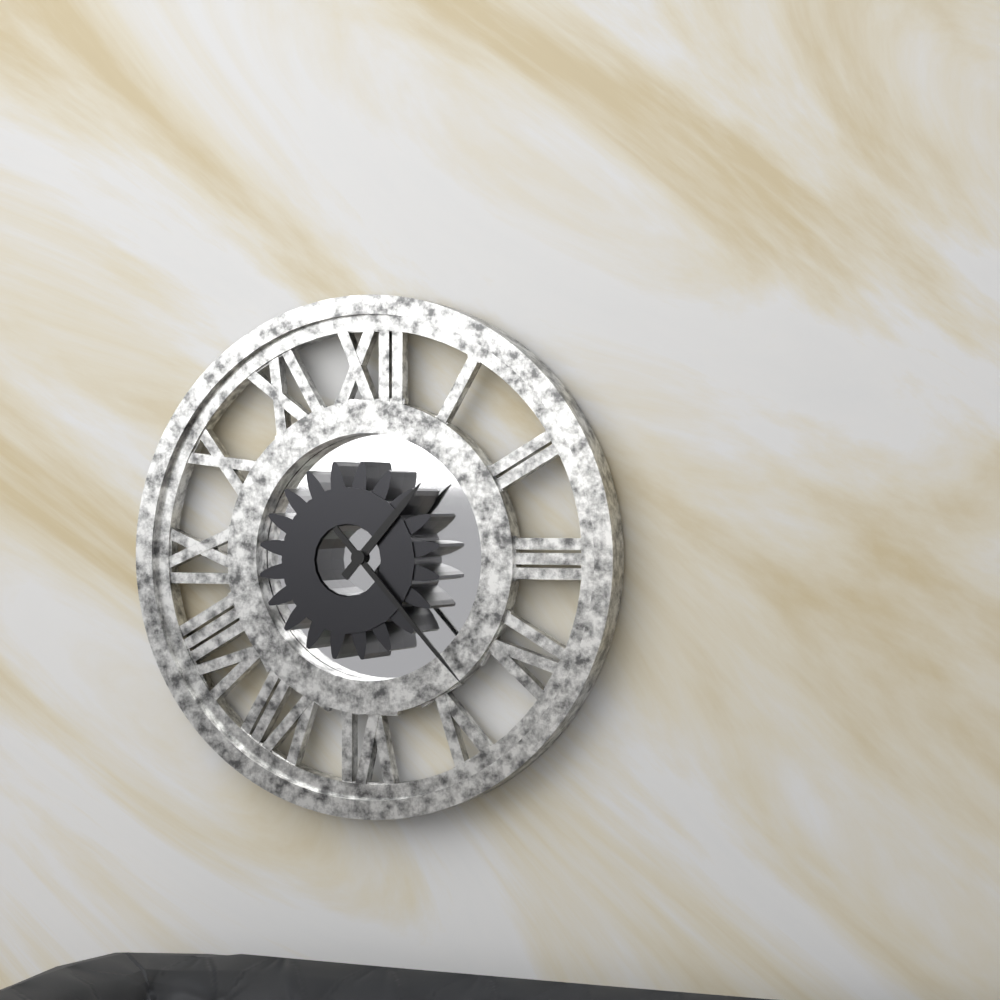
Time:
1h23
